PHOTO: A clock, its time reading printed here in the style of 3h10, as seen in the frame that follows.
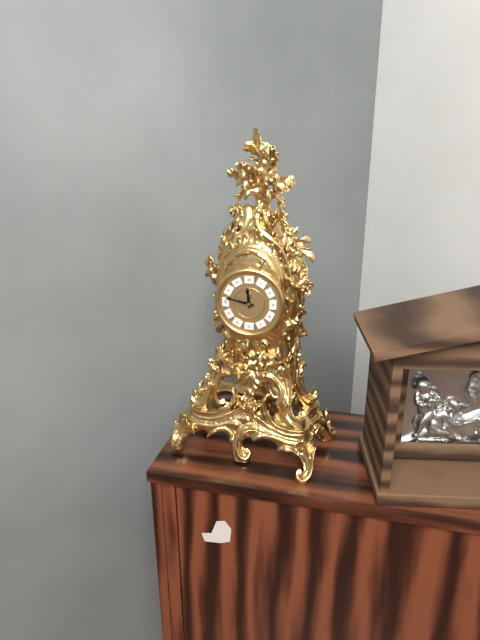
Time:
11h47
